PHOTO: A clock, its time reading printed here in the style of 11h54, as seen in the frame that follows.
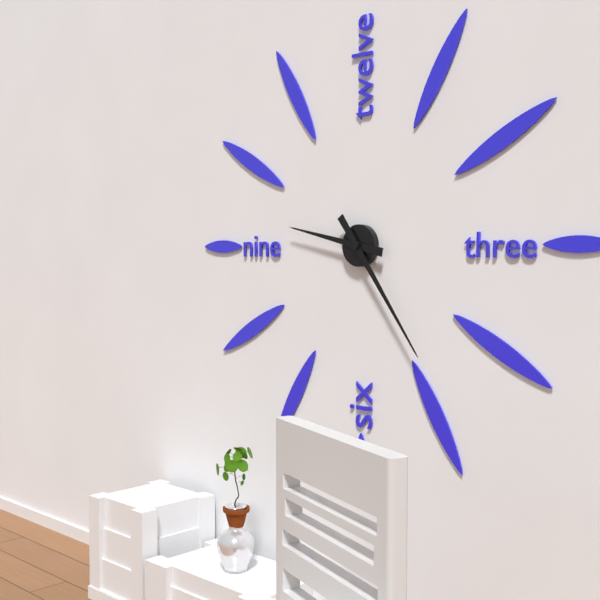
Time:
9h24
